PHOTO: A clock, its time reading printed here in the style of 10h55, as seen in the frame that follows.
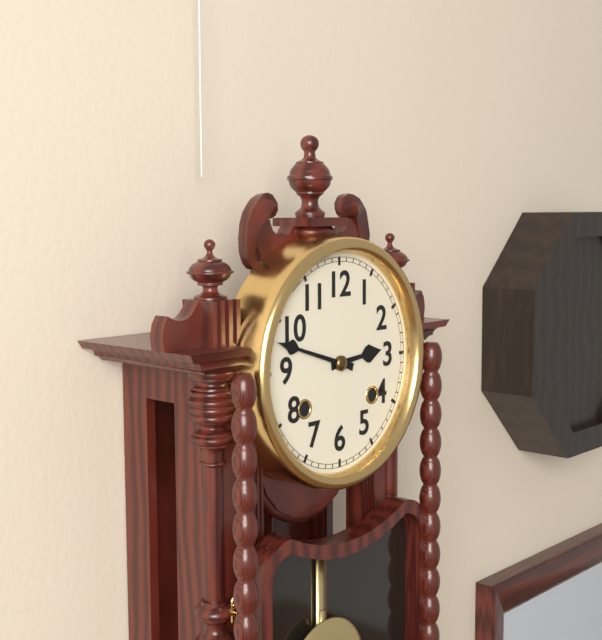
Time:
2h48
